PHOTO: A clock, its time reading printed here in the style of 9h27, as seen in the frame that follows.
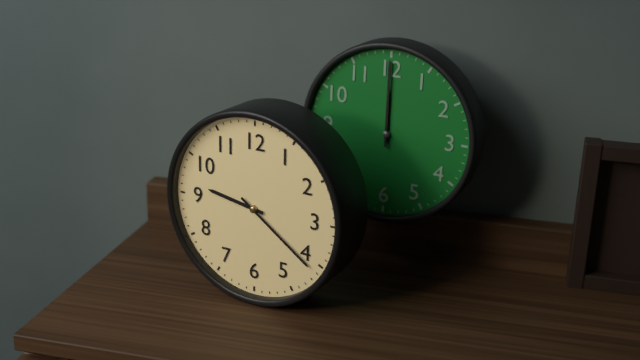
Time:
9h21
